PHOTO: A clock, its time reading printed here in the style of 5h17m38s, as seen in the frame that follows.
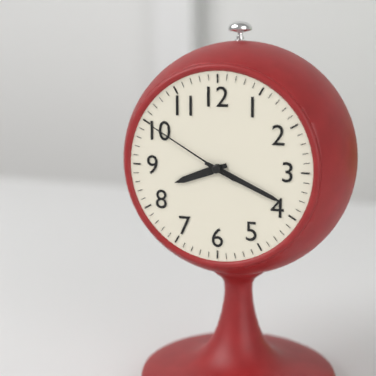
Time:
8h19m50s
